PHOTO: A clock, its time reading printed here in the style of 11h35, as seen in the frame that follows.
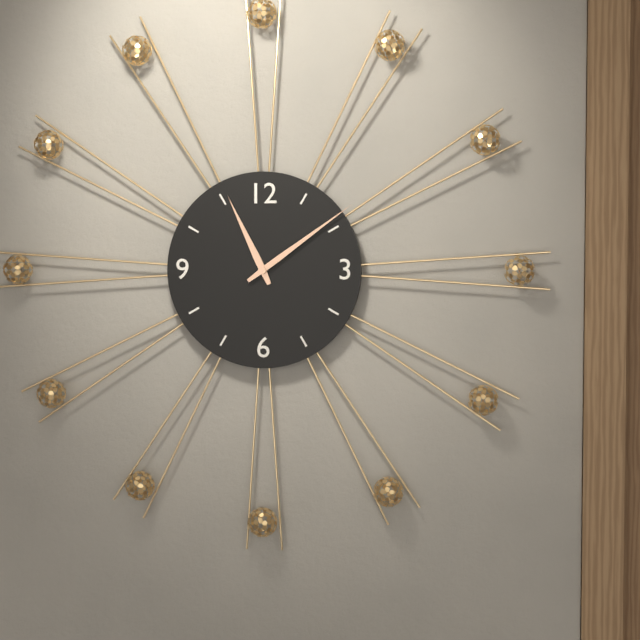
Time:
11h09
